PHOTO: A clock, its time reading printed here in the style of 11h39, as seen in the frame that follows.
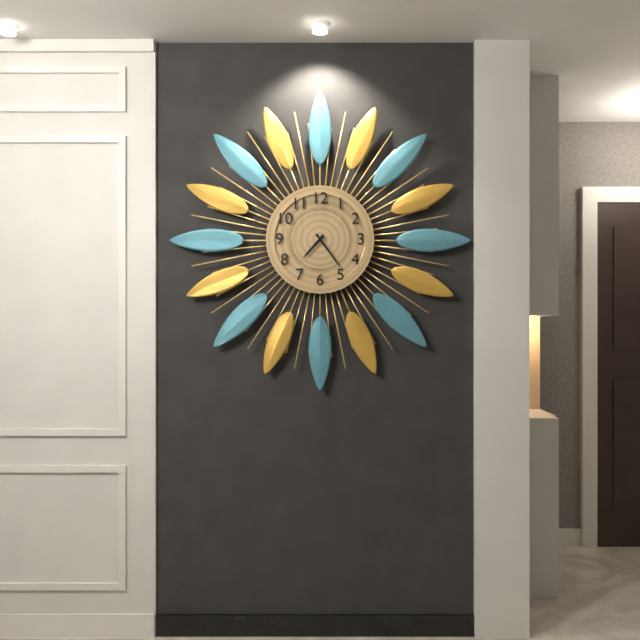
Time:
7h24
